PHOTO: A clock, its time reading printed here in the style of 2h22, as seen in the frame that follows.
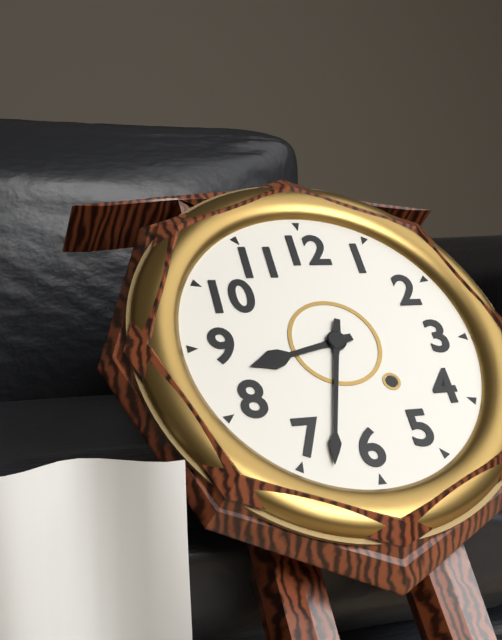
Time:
8h33
